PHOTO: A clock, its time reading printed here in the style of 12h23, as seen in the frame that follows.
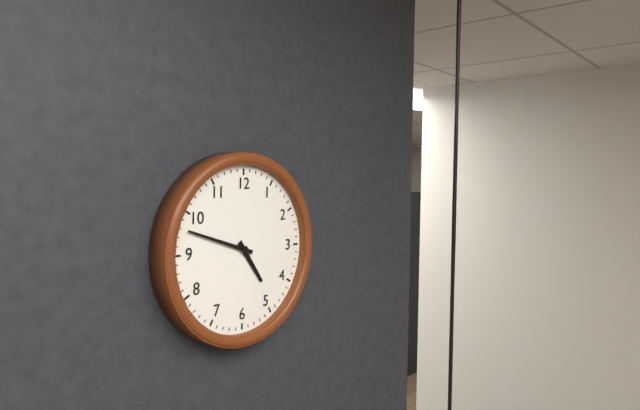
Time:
4h48
